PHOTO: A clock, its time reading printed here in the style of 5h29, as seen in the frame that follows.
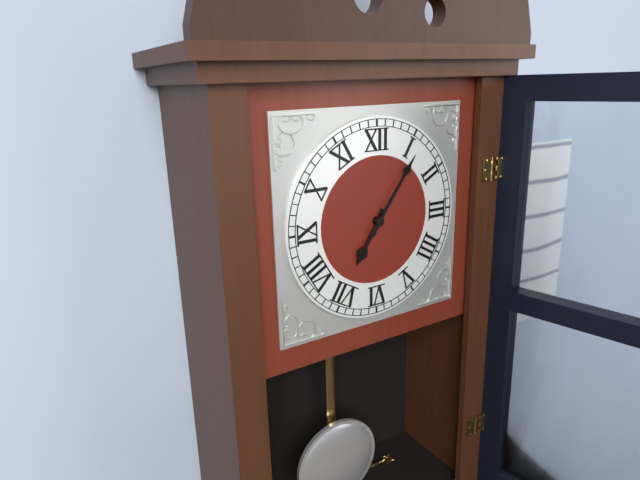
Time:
7h06
